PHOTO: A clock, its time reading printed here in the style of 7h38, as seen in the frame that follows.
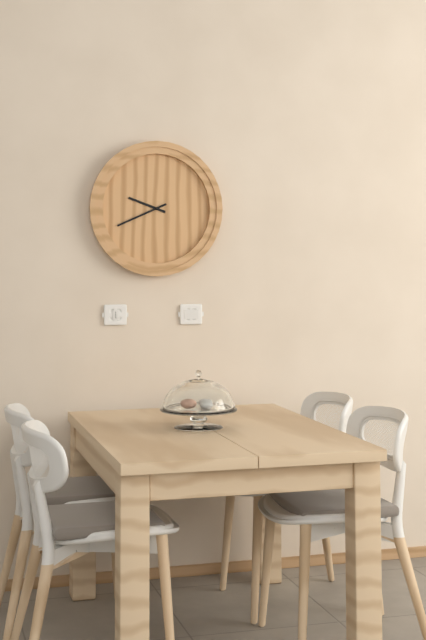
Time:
9h41
